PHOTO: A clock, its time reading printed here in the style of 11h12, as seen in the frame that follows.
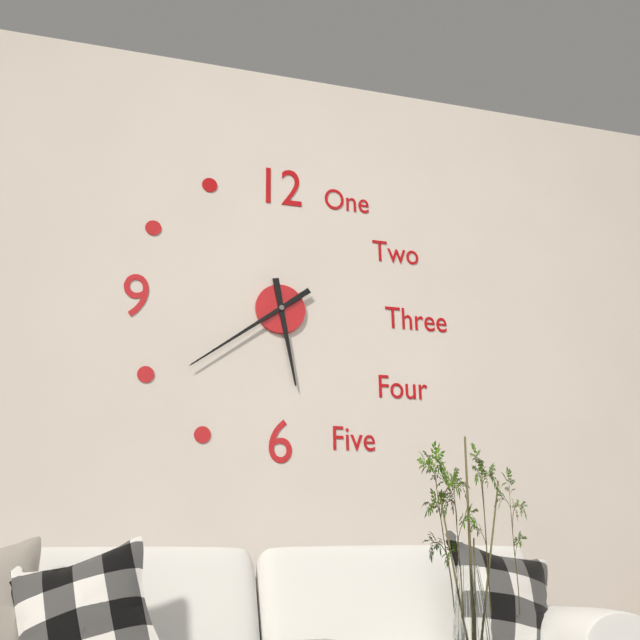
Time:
5h39
